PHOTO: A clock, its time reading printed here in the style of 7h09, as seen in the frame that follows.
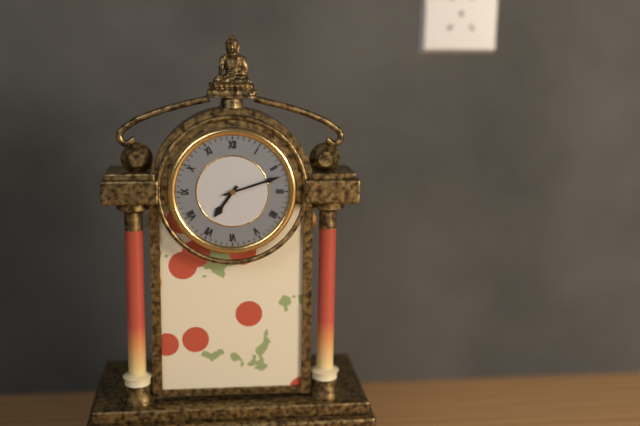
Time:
7h12
